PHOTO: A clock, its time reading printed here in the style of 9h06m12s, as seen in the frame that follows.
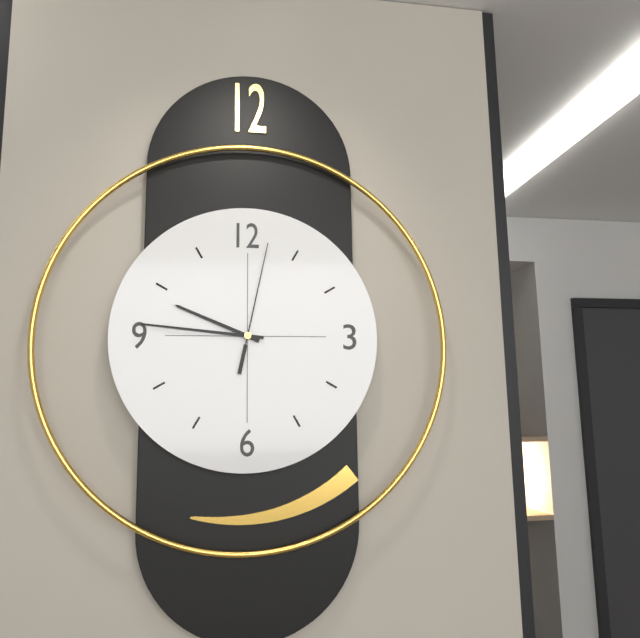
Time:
9h46m02s
